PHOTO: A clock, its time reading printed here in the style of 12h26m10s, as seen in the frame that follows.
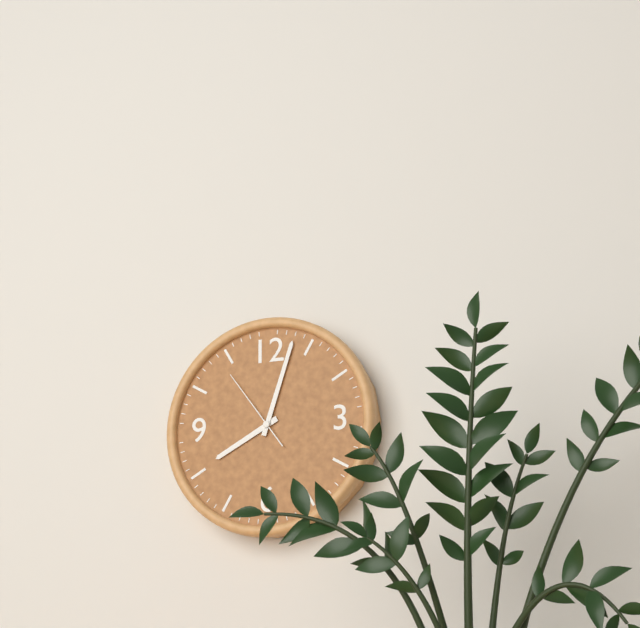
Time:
8h03m54s
